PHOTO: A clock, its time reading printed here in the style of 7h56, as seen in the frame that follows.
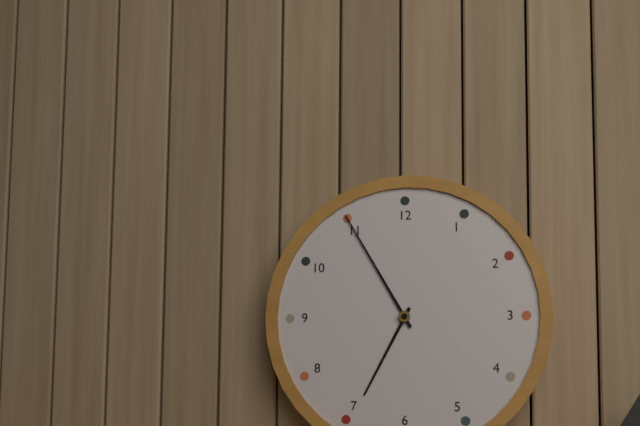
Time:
6h55
